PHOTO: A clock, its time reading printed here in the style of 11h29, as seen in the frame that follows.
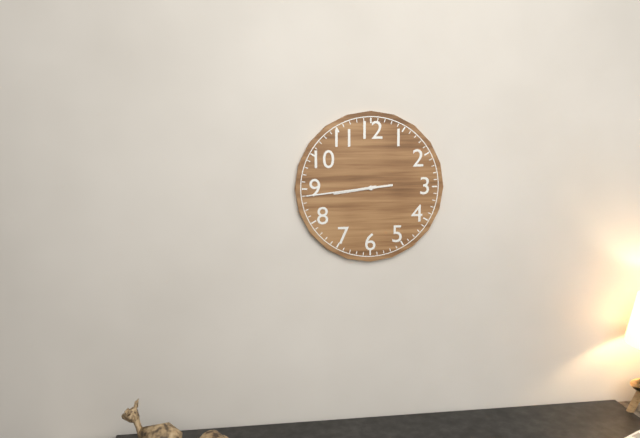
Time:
8h44
